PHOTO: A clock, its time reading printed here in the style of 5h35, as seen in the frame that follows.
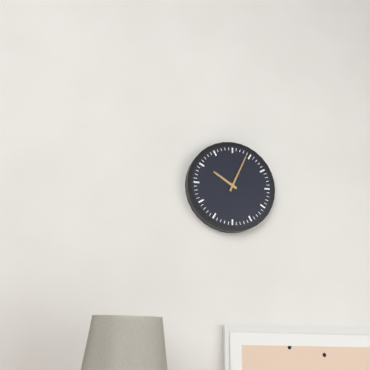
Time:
10h04
